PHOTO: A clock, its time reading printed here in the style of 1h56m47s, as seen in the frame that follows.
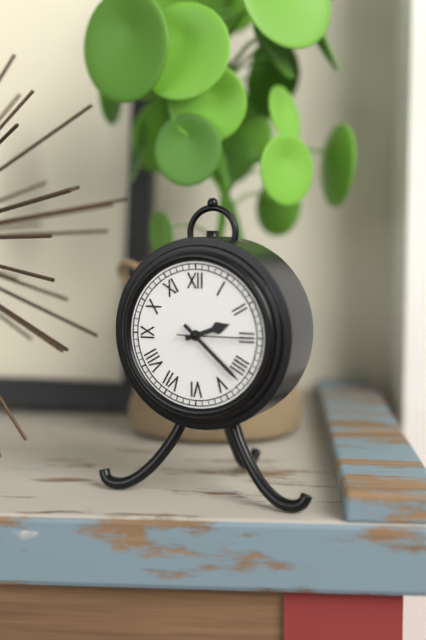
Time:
2h22m15s
